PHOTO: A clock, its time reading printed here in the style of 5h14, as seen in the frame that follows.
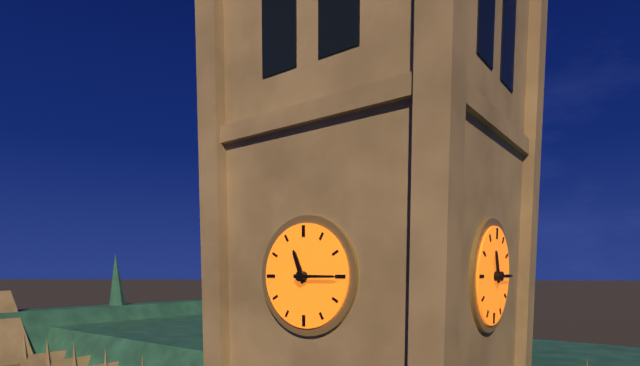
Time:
11h15
